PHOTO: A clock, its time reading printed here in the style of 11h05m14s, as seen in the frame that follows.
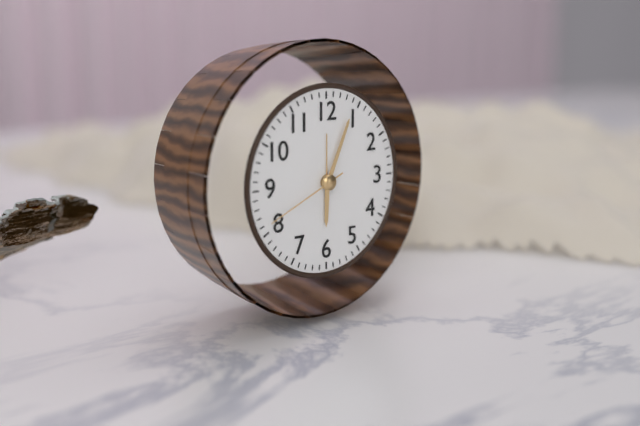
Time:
6h04m41s
